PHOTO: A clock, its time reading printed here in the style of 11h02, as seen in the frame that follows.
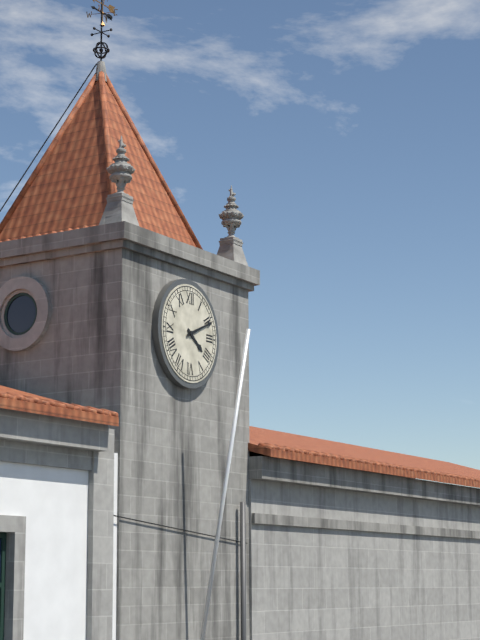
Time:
4h11
